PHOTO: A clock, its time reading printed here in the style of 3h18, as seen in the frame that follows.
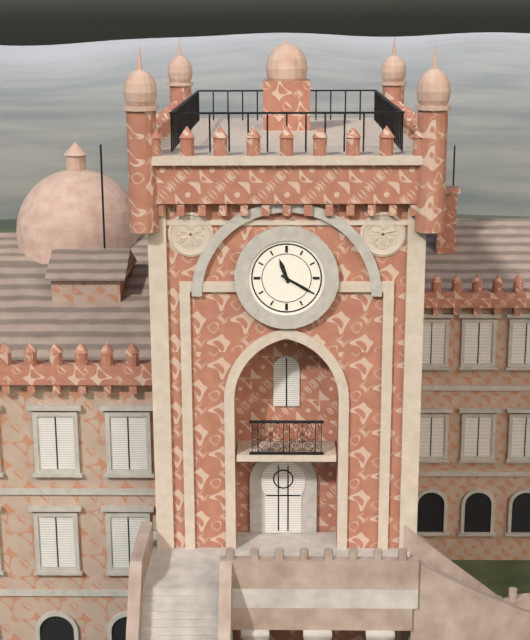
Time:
11h20
